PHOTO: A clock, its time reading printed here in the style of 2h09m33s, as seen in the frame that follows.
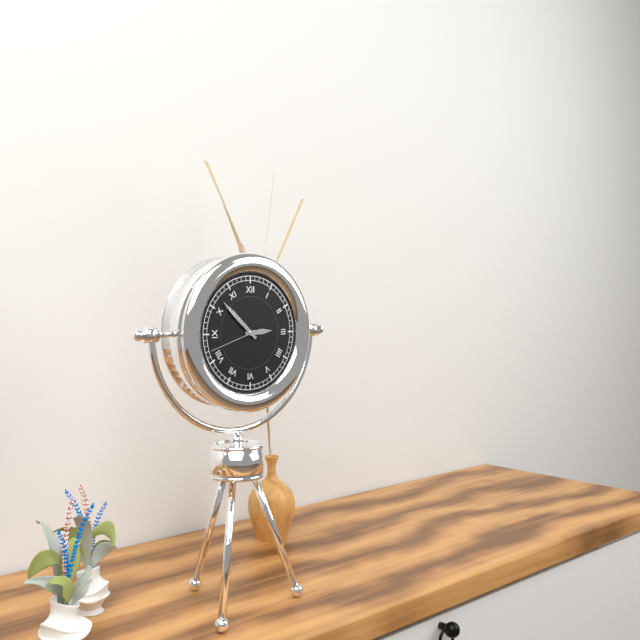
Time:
2h52m42s
